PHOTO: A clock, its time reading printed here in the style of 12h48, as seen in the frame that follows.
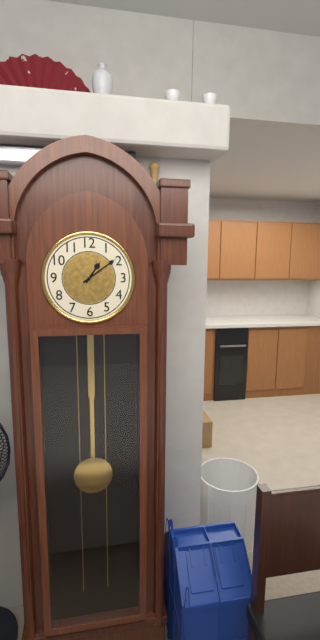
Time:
1h09
